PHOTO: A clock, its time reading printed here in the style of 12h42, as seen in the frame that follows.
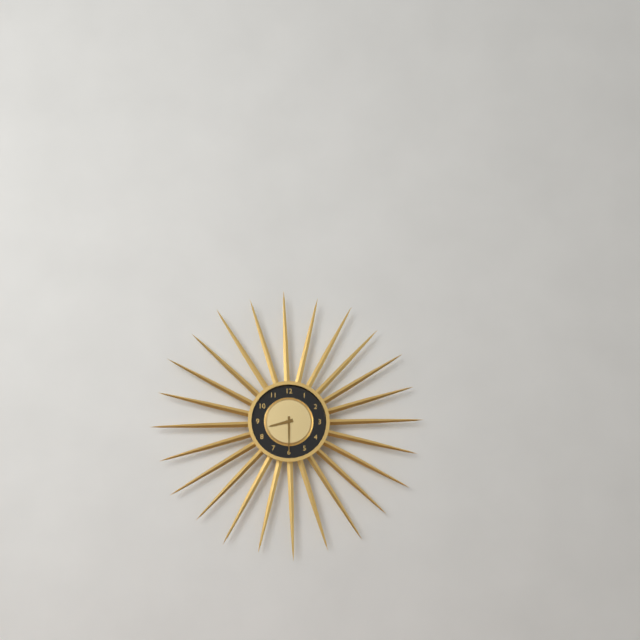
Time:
8h30
